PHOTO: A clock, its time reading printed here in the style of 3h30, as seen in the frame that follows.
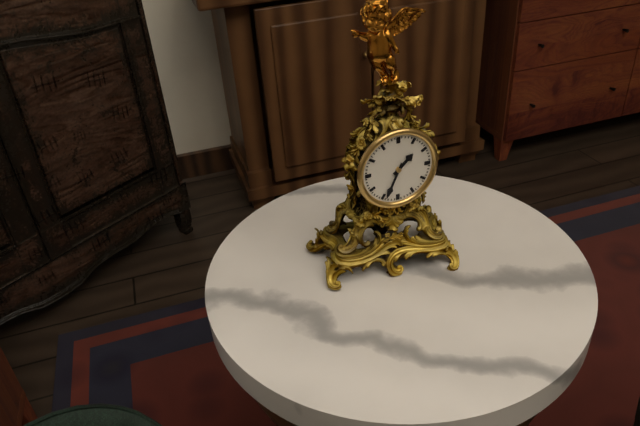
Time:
1h34
